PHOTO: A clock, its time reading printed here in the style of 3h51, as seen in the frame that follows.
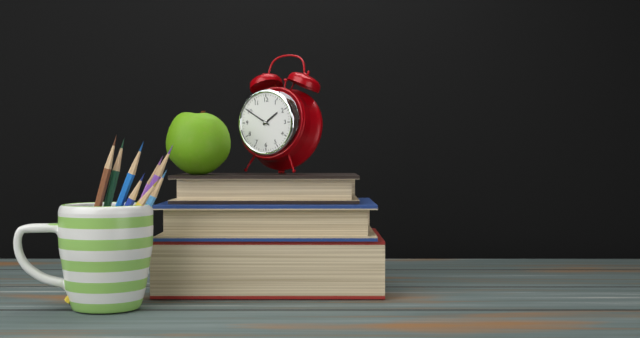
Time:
1h50
